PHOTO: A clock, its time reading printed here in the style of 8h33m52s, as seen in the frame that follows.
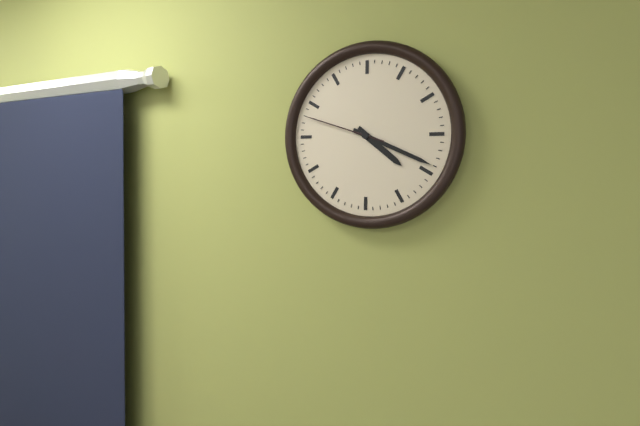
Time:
4h19m48s
